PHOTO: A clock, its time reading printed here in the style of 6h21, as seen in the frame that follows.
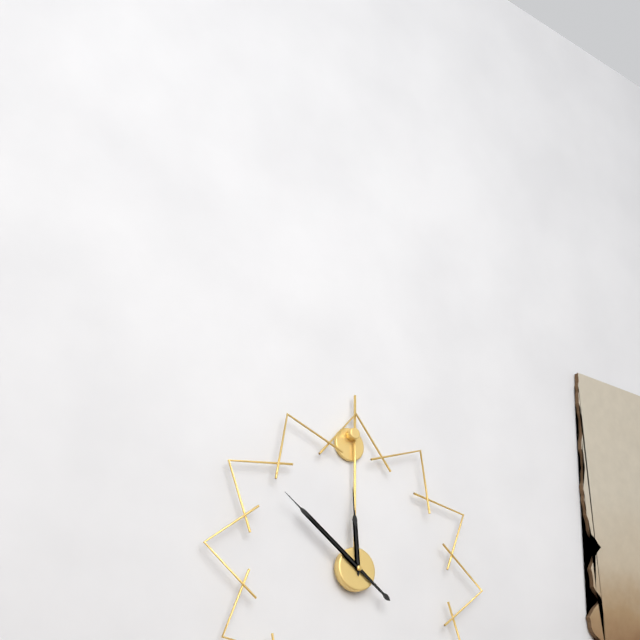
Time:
11h51
